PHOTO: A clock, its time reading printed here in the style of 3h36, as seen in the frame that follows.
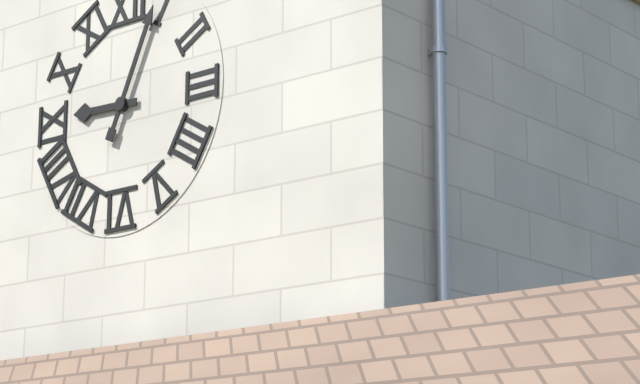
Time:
9h04
